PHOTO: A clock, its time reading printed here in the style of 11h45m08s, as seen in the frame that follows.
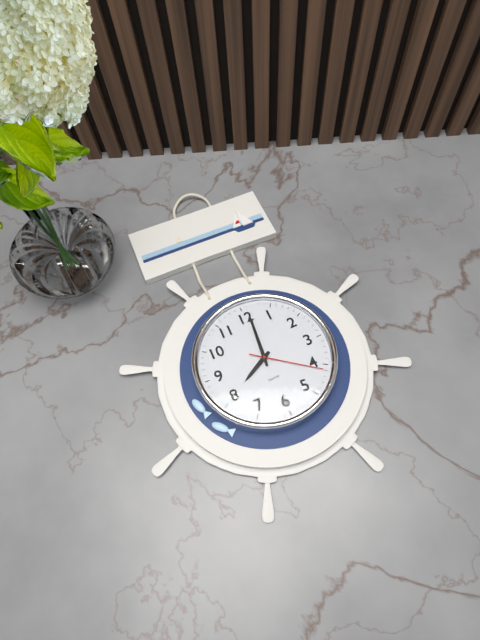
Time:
8h01m21s
